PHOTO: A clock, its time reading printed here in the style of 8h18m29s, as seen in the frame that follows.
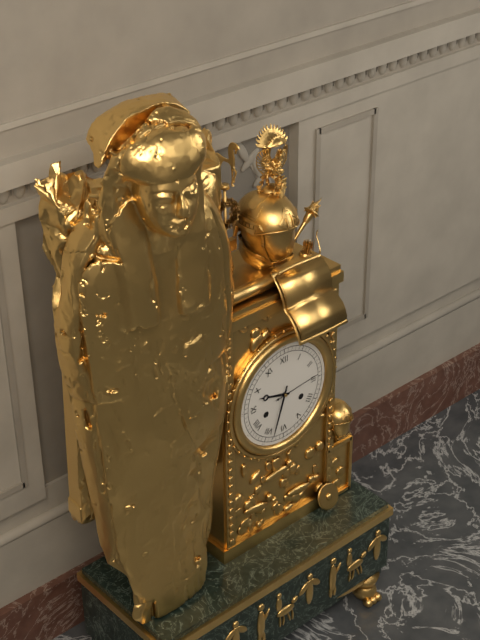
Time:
9h33m14s
